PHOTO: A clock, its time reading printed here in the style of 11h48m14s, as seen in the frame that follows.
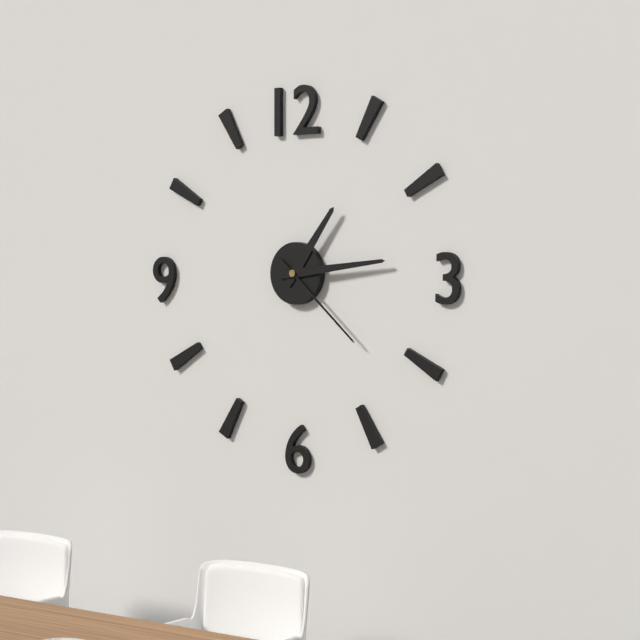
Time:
1h14m22s
